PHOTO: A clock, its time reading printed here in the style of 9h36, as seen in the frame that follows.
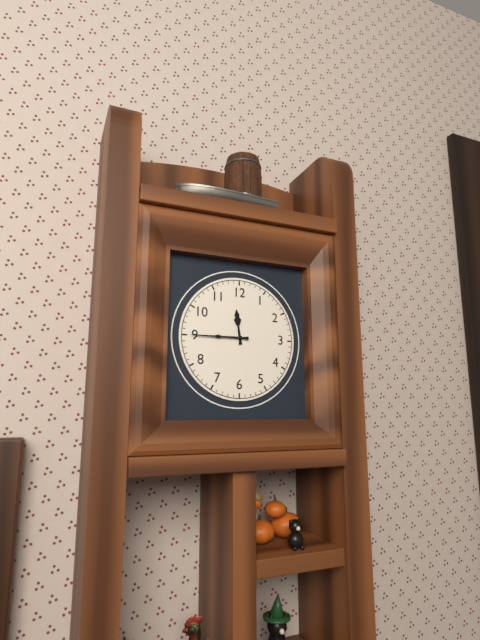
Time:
11h45
